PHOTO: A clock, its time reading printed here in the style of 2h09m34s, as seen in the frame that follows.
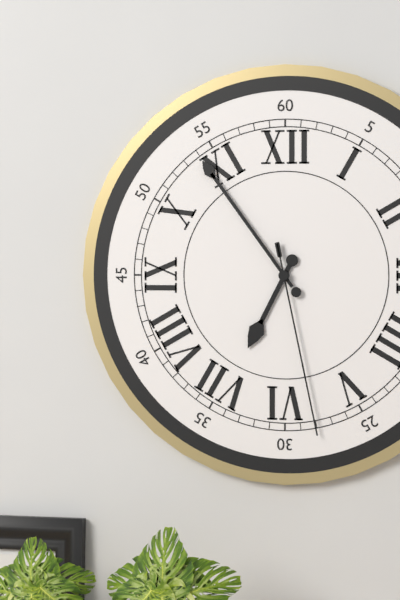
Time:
6h54m28s
